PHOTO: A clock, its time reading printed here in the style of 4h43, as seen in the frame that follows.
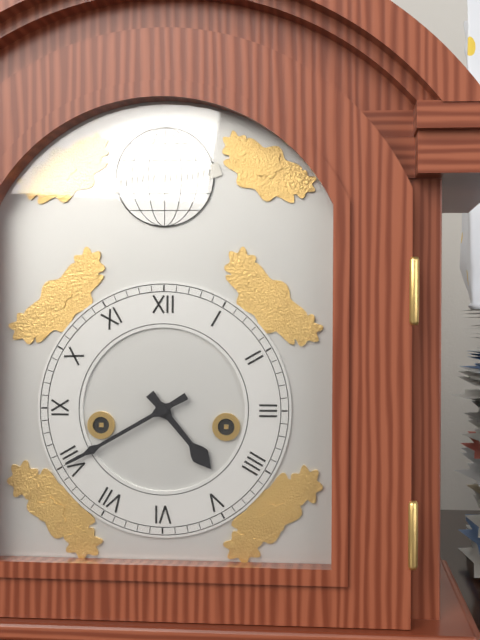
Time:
4h40
